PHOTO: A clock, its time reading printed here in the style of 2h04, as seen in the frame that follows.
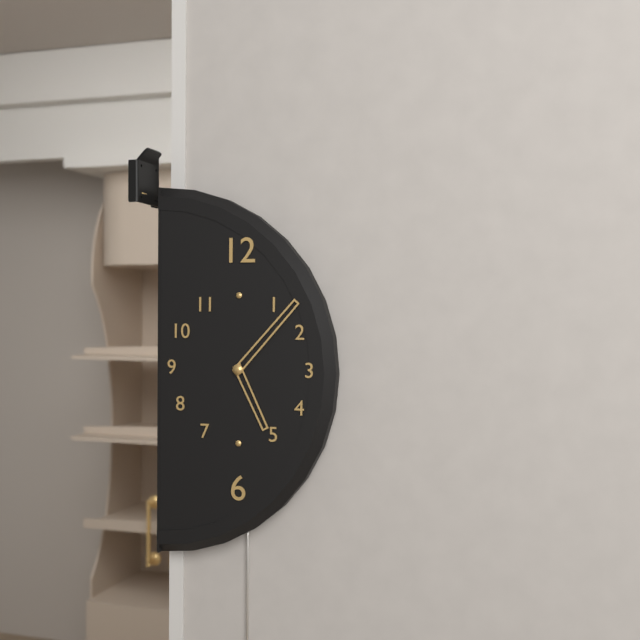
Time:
5h07
